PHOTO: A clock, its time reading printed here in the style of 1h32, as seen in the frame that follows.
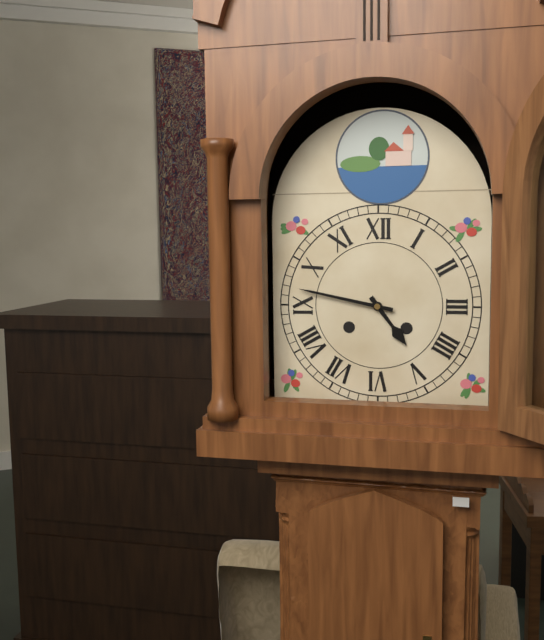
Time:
4h47
